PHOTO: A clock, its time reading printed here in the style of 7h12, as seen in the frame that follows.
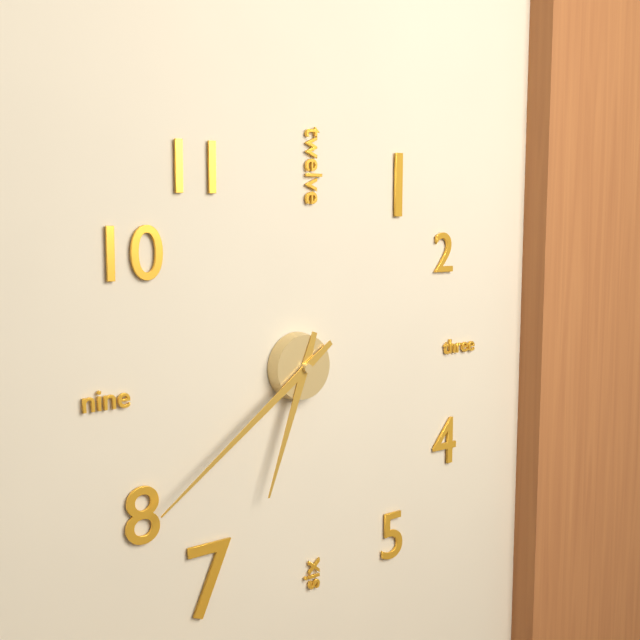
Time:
6h39
